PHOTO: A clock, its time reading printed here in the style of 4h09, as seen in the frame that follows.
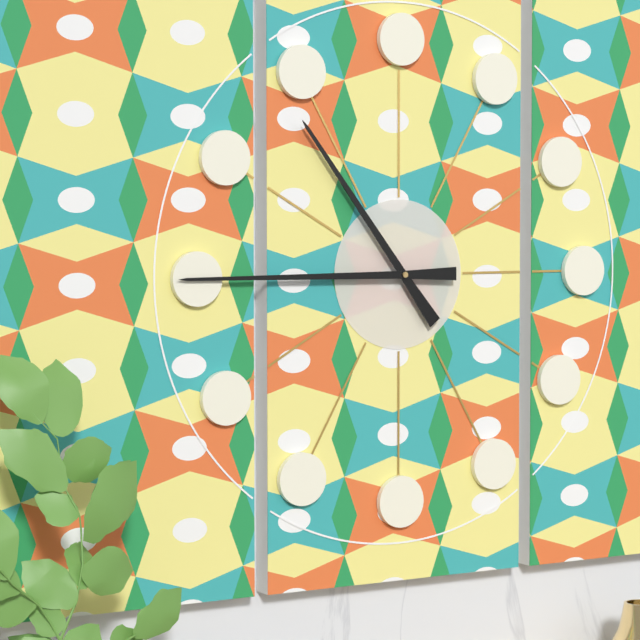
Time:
10h45
